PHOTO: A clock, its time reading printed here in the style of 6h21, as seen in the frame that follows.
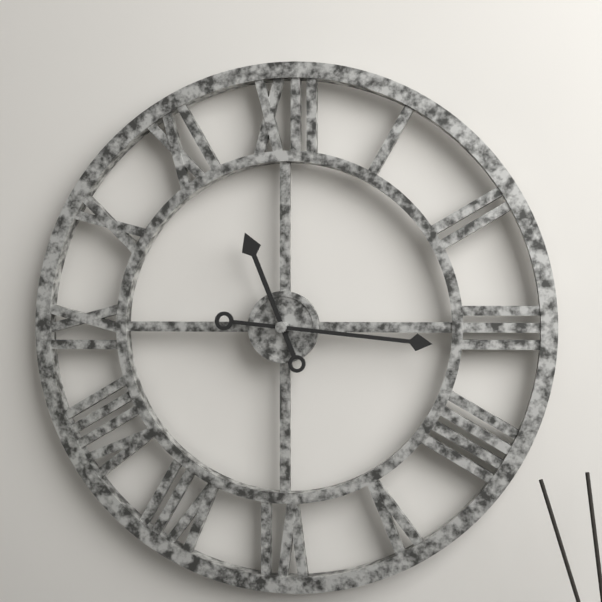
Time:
11h16
